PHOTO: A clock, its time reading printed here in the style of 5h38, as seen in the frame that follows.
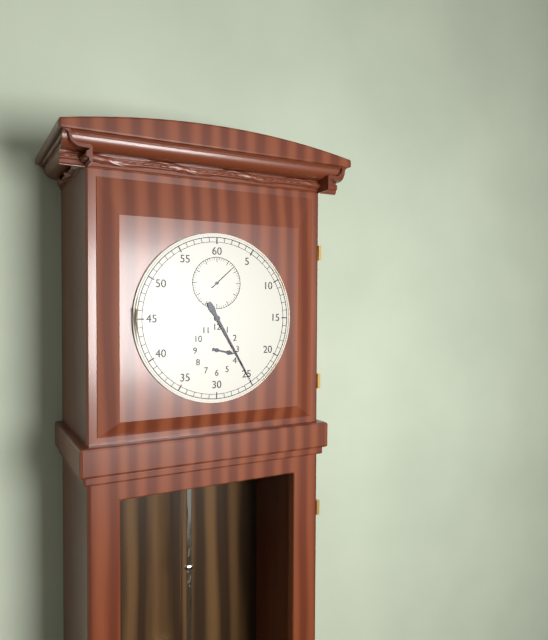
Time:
3h25
